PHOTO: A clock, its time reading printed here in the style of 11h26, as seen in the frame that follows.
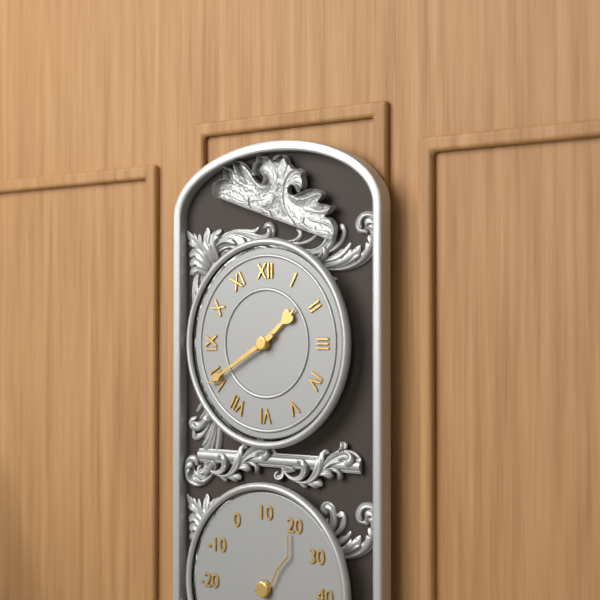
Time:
1h40
